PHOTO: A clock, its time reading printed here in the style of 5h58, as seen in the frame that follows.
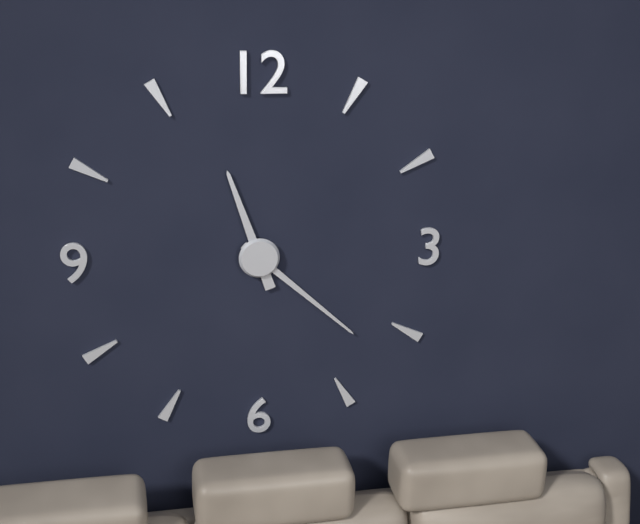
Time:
11h22
